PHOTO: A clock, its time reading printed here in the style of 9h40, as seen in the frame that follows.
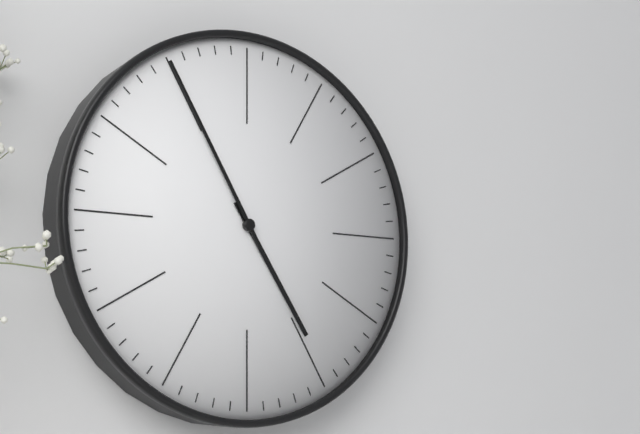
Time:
4h55
